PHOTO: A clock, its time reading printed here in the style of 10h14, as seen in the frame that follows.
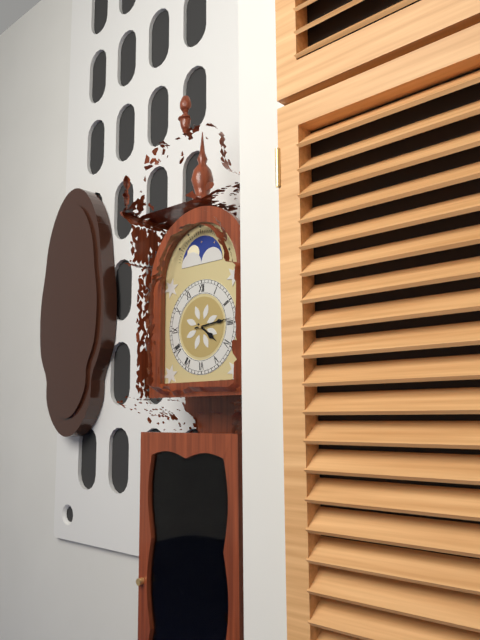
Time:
4h14
